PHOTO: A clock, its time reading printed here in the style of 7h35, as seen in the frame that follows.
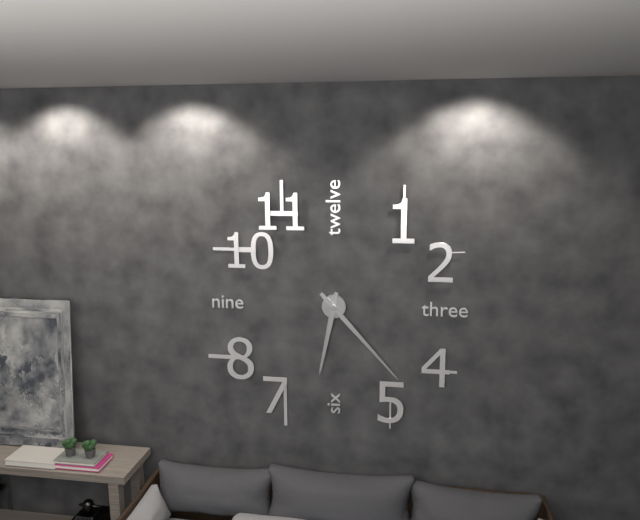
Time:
6h23
